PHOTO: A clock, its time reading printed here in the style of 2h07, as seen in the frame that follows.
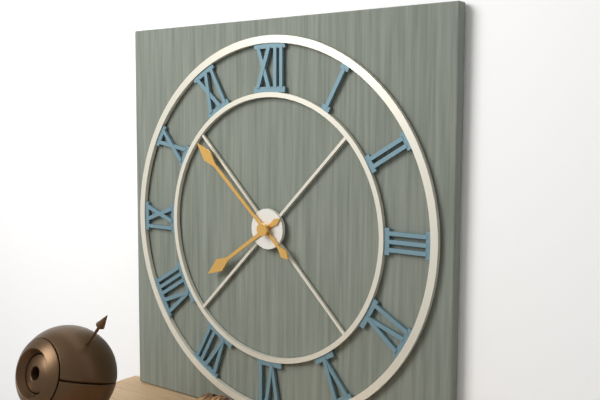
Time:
7h52
